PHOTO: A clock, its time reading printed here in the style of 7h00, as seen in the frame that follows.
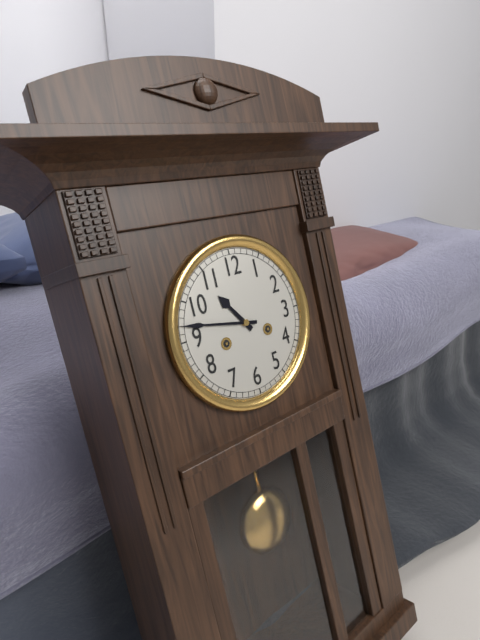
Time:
10h47
